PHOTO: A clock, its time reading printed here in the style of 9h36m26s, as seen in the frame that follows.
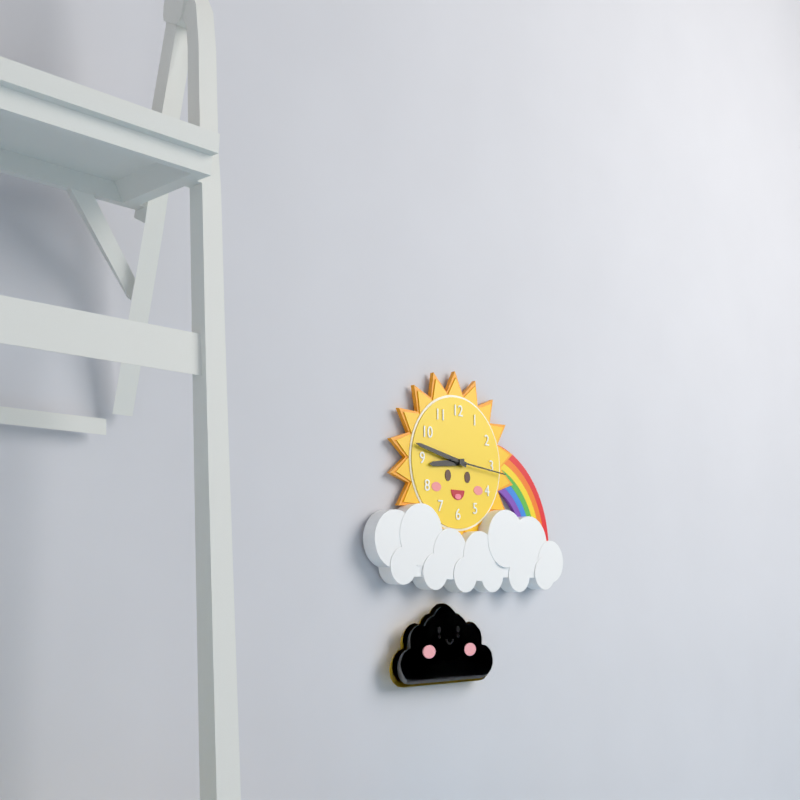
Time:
8h47m16s
